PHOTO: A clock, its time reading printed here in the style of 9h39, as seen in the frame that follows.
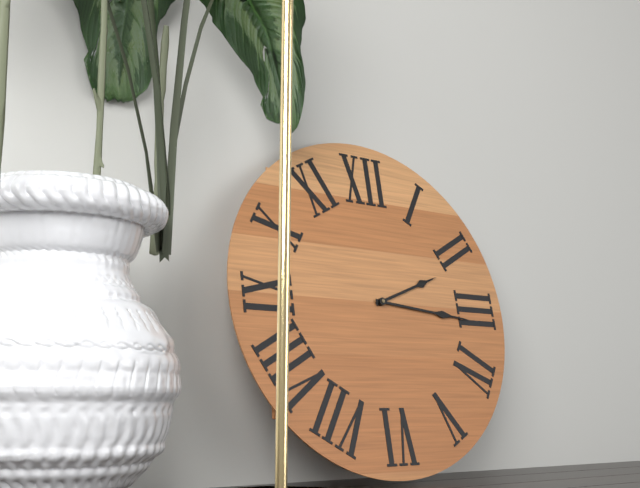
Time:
2h16
